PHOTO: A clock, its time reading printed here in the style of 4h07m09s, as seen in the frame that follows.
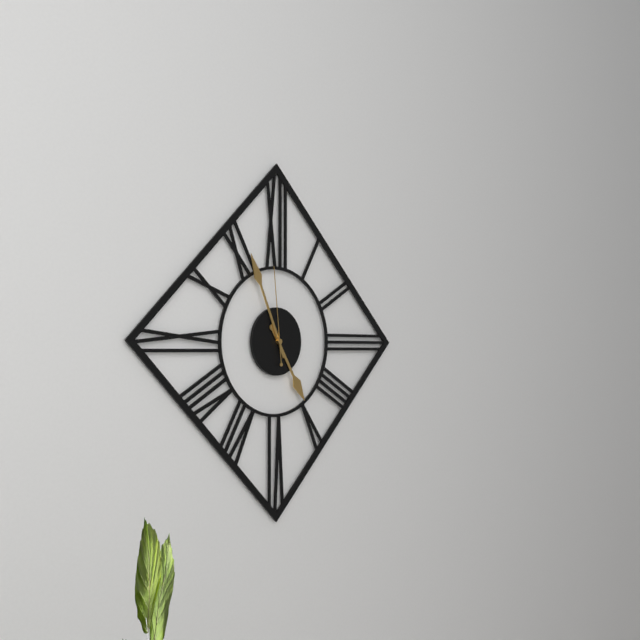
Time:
4h56m59s
